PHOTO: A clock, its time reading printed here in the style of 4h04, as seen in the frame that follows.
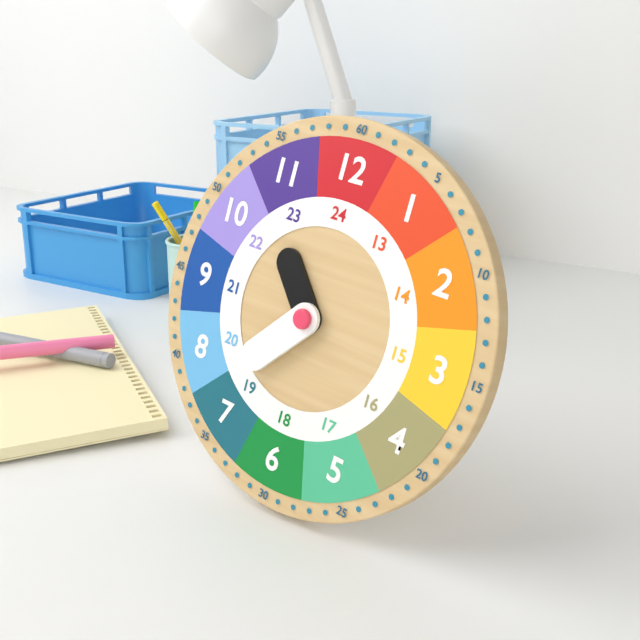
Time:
10h37
